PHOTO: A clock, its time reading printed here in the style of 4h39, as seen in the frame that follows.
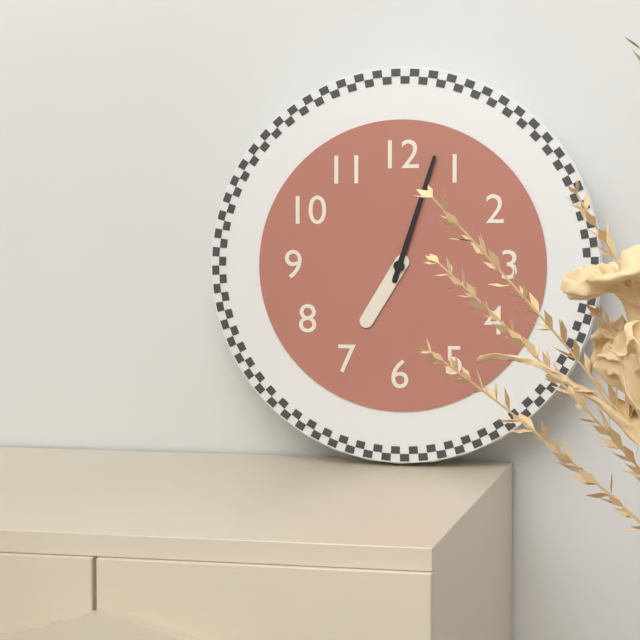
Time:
7h03
